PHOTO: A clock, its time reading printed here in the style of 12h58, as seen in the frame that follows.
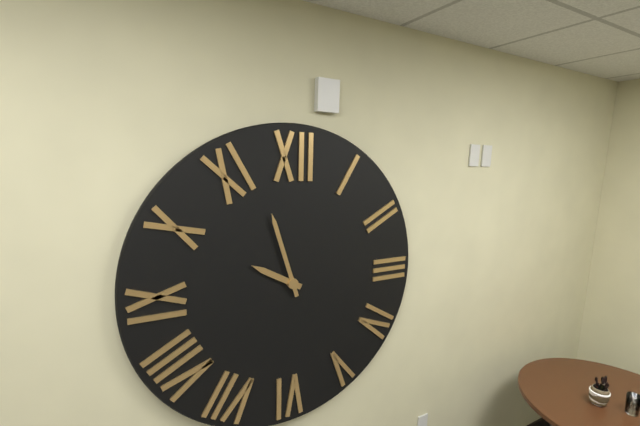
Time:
9h57
